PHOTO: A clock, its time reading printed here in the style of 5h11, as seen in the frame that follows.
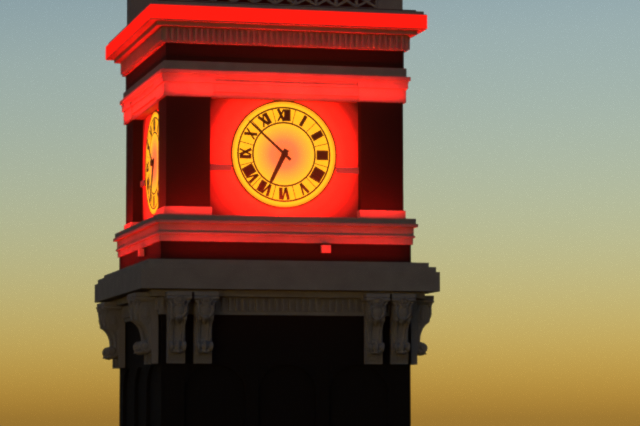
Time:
6h52
